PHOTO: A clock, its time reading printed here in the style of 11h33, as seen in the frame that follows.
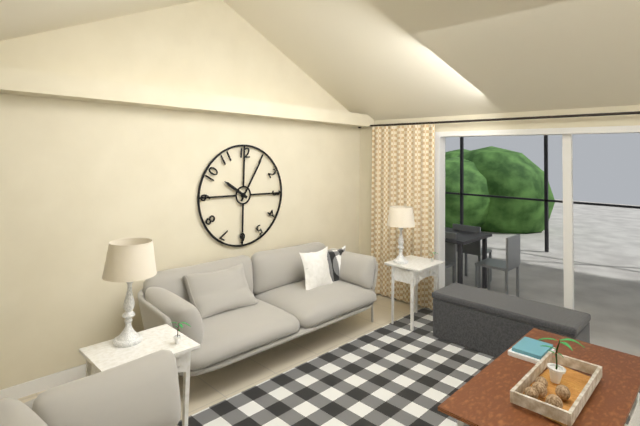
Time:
10h05
